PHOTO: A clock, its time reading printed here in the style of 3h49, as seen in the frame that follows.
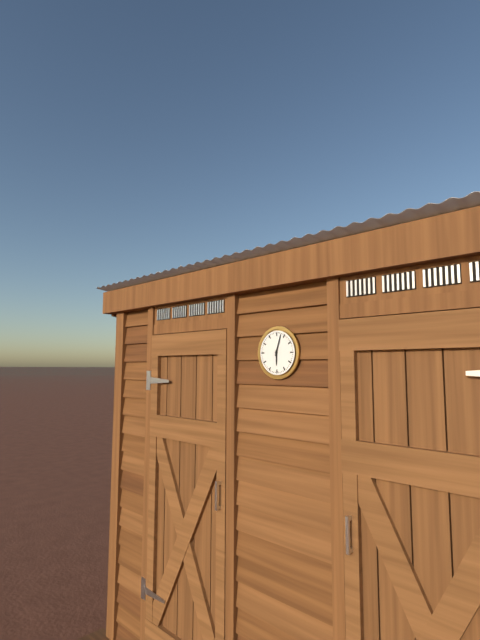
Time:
6h03
